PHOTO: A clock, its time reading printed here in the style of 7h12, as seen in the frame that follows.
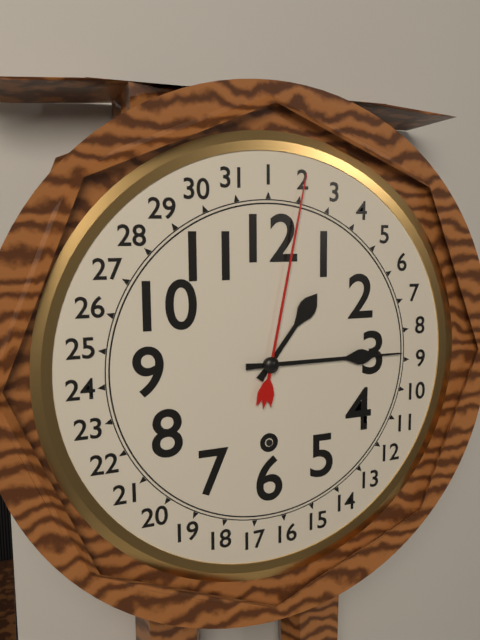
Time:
1h15
